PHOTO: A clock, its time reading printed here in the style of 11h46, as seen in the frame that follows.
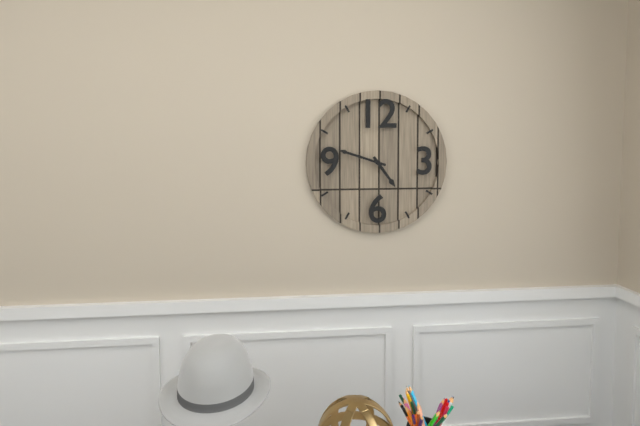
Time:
4h48
